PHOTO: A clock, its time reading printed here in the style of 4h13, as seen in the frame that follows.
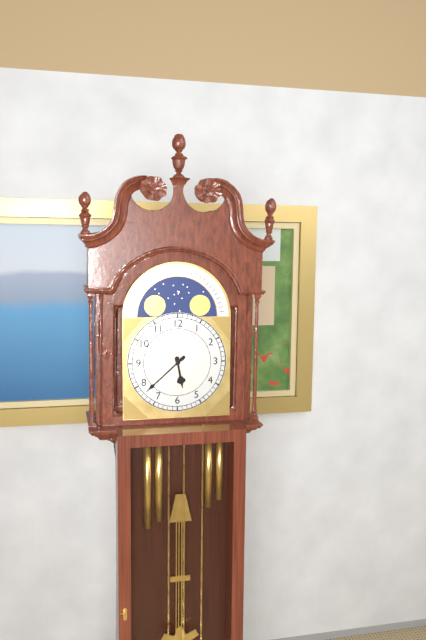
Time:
5h38
